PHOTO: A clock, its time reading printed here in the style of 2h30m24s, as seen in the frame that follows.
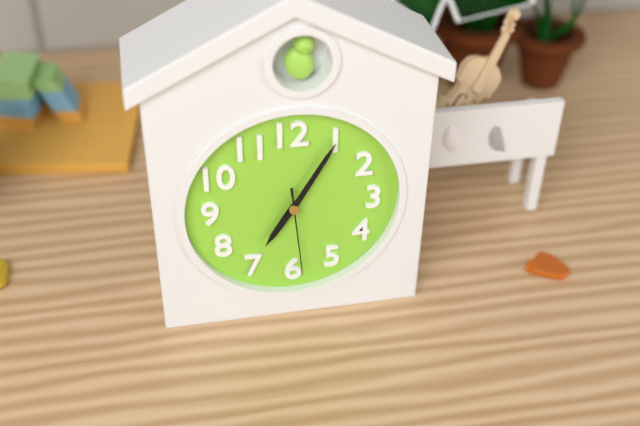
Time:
7h05m29s
